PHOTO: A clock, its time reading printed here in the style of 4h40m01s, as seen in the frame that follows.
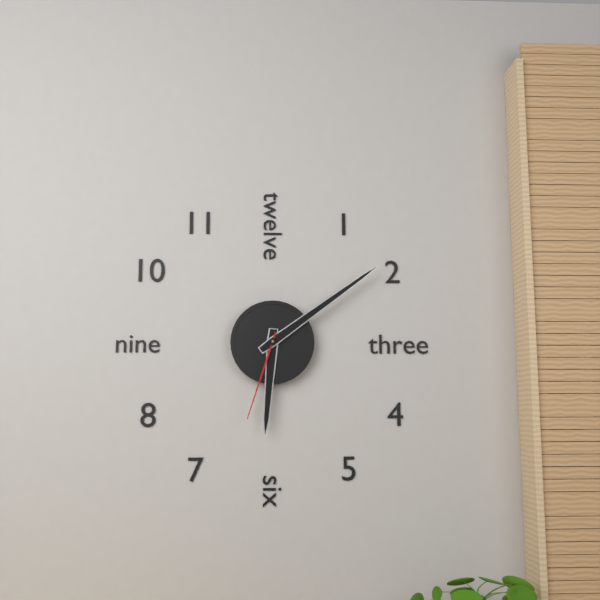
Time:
6h09m33s
